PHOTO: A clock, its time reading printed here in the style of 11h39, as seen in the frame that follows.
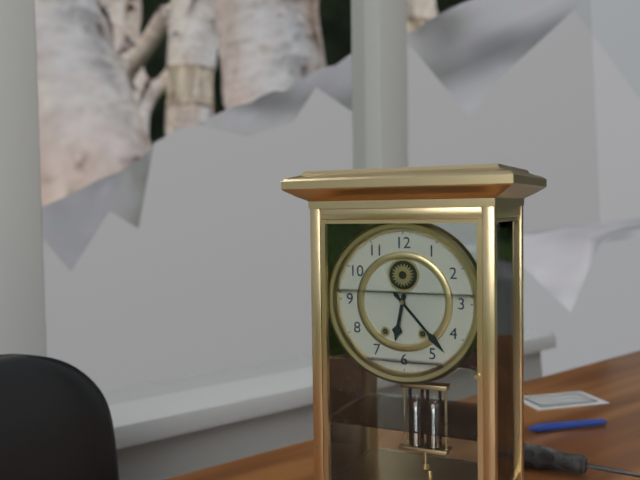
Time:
6h23
